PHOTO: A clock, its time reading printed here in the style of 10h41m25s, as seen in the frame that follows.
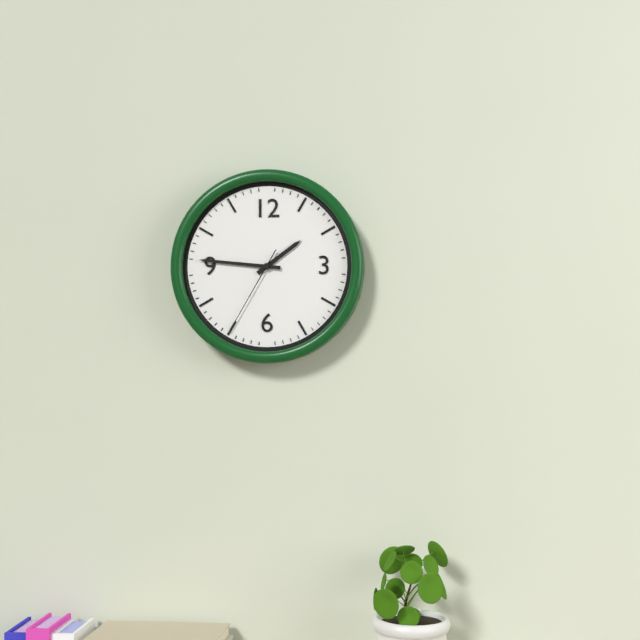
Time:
1h46m35s
